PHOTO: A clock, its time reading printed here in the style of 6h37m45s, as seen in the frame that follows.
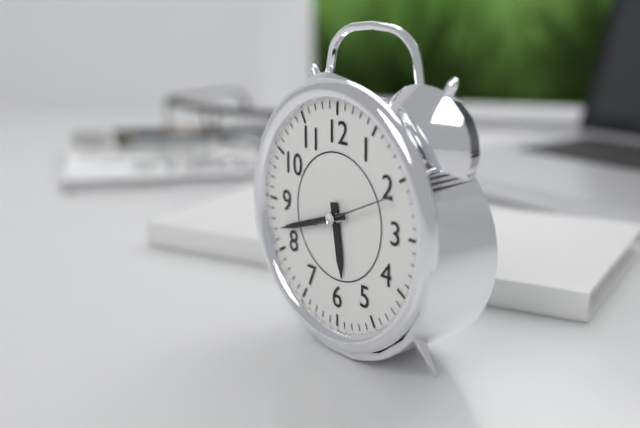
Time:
5h42m11s
